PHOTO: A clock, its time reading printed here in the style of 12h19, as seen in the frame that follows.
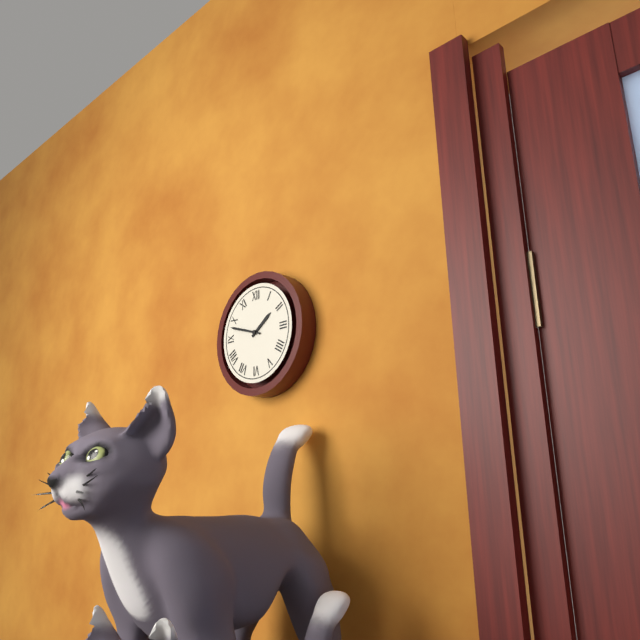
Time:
1h48
